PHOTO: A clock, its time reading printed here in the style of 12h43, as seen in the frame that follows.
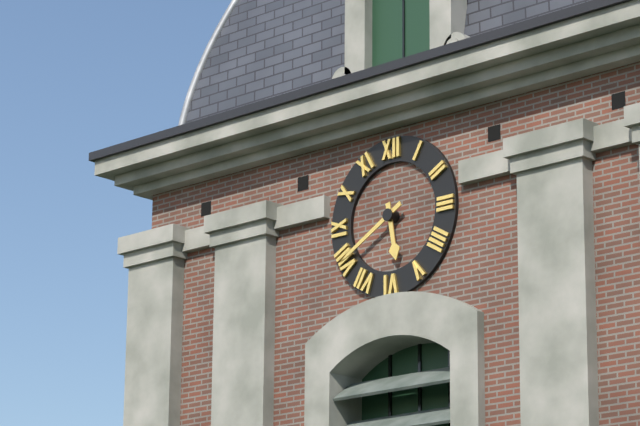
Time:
5h40
